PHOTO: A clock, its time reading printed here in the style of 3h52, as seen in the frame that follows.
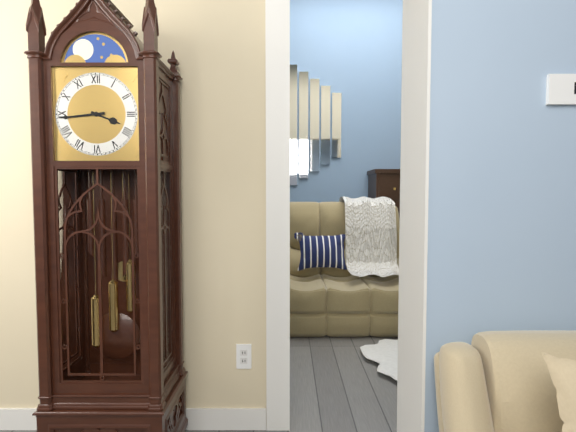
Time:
3h44
